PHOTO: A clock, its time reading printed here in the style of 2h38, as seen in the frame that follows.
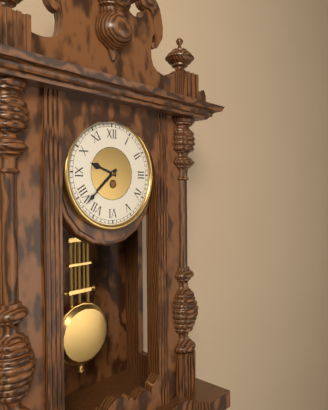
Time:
9h38
